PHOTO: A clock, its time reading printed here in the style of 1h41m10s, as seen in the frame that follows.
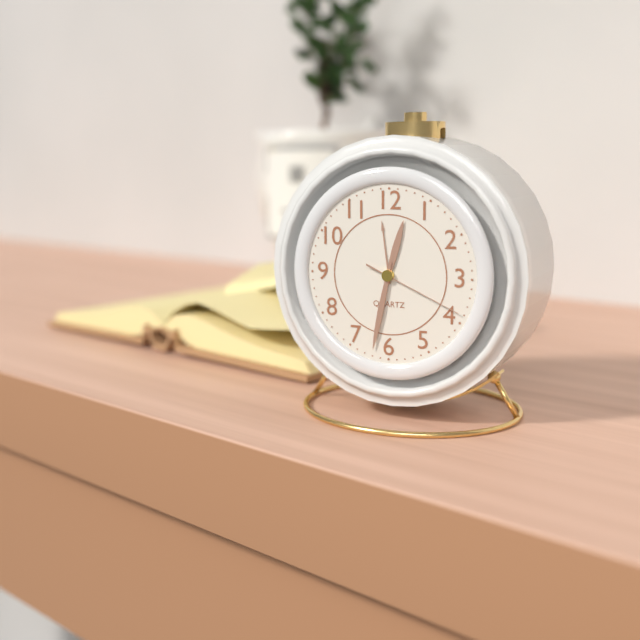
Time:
12h32m19s
